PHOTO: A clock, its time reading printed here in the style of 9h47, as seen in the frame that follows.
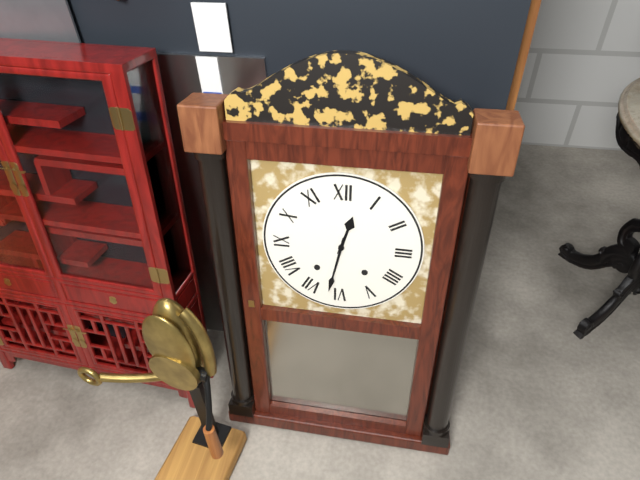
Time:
12h32
